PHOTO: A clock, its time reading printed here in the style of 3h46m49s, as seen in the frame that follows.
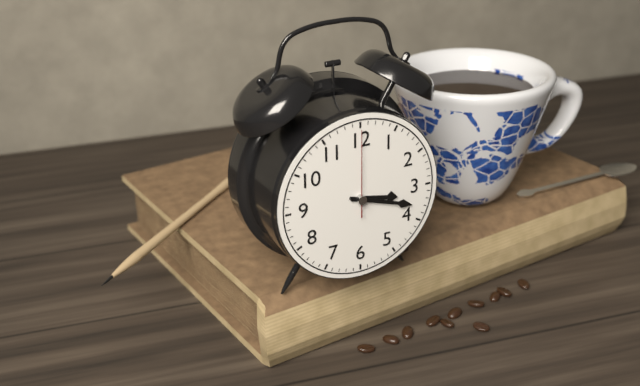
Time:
3h18m00s
